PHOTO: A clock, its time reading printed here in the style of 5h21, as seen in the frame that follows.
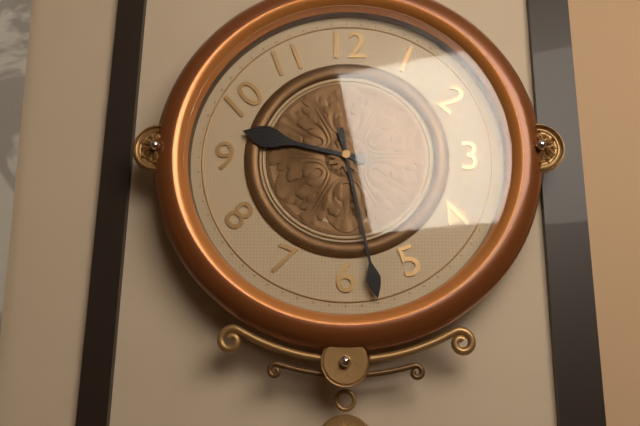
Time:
9h28
